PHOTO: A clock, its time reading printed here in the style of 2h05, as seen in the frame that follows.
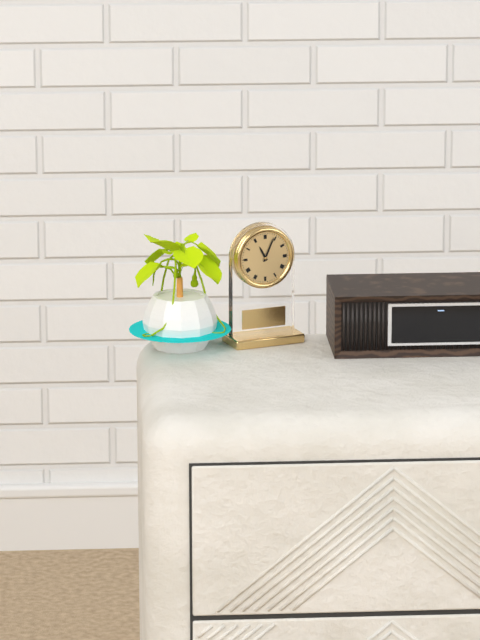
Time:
11h04
